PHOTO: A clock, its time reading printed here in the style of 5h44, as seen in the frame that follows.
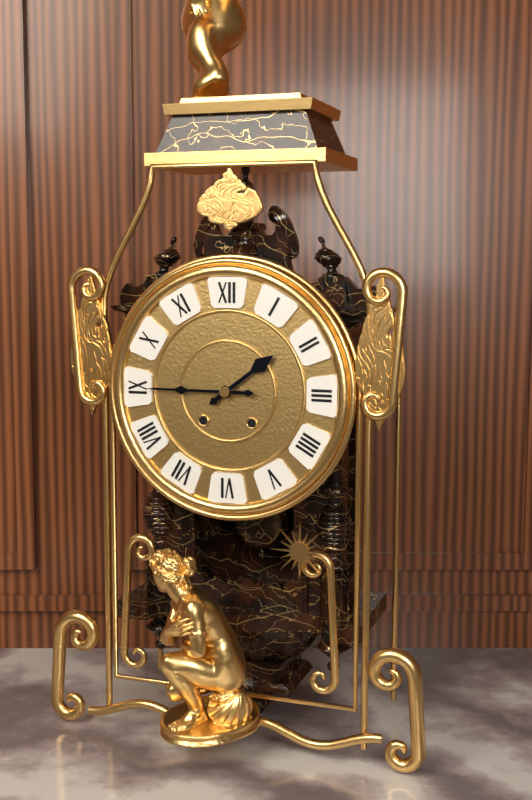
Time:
1h45
